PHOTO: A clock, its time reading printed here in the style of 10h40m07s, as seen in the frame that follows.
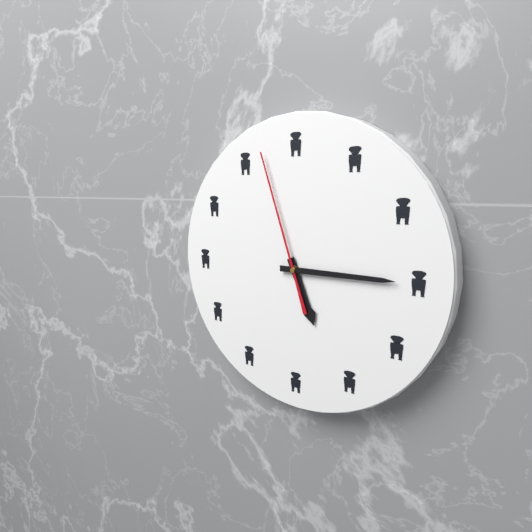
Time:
5h15m57s
